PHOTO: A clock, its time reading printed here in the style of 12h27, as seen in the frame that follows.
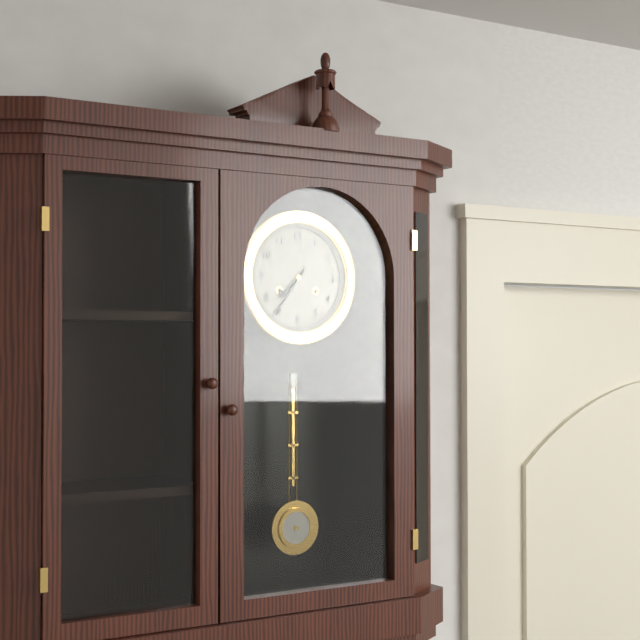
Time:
7h36
